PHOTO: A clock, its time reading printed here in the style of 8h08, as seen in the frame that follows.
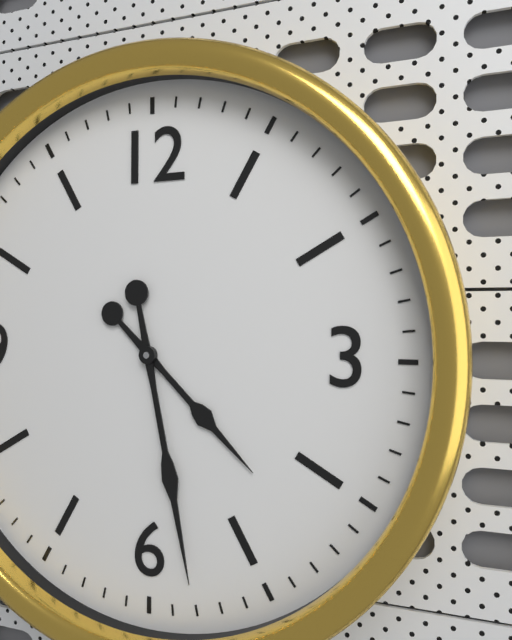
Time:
4h28
